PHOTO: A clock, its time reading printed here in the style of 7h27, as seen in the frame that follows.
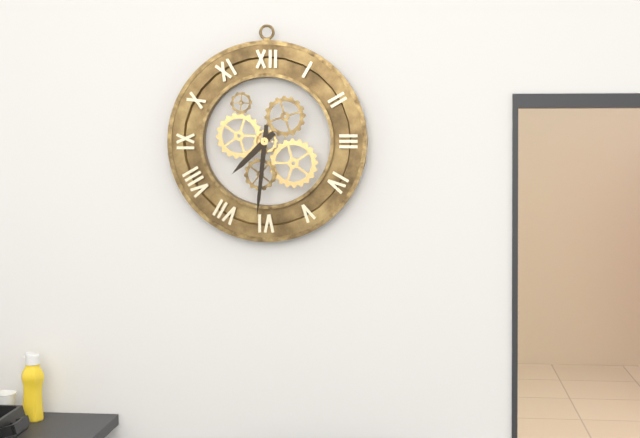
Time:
7h31
